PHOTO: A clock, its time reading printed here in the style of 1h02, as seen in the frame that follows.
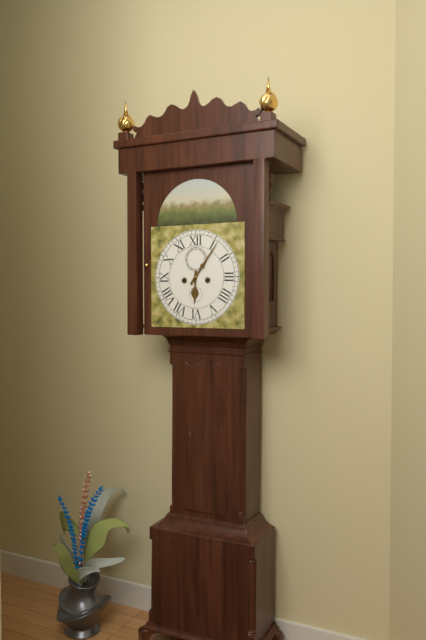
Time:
6h06
